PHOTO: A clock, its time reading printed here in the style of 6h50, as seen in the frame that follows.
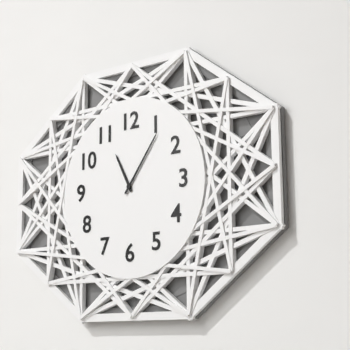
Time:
11h06
